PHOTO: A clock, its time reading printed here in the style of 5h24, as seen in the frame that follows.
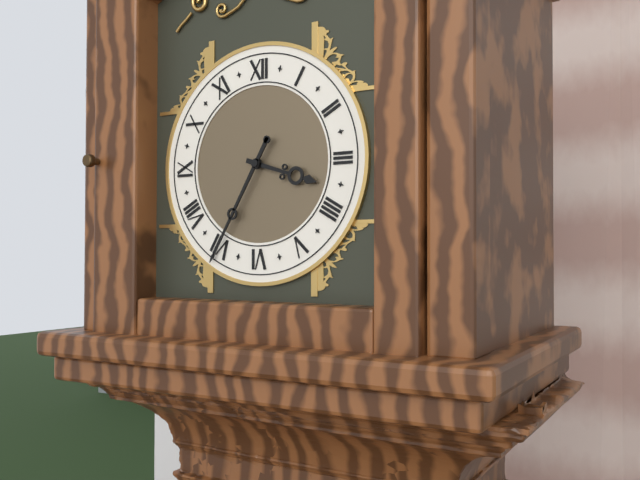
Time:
3h35
